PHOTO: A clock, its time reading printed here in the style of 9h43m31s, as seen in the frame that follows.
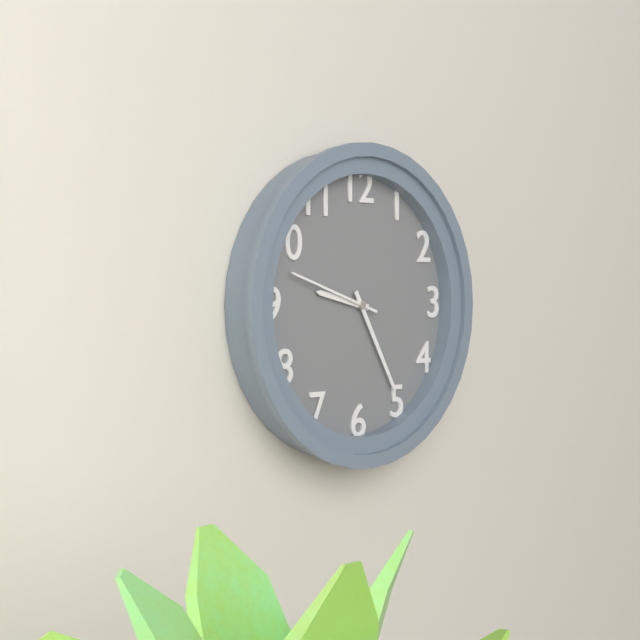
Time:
9h25m48s
